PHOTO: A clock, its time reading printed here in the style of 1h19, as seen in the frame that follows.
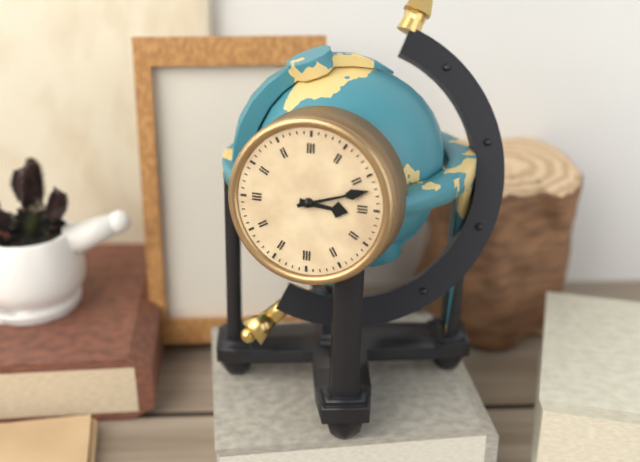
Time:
3h12
